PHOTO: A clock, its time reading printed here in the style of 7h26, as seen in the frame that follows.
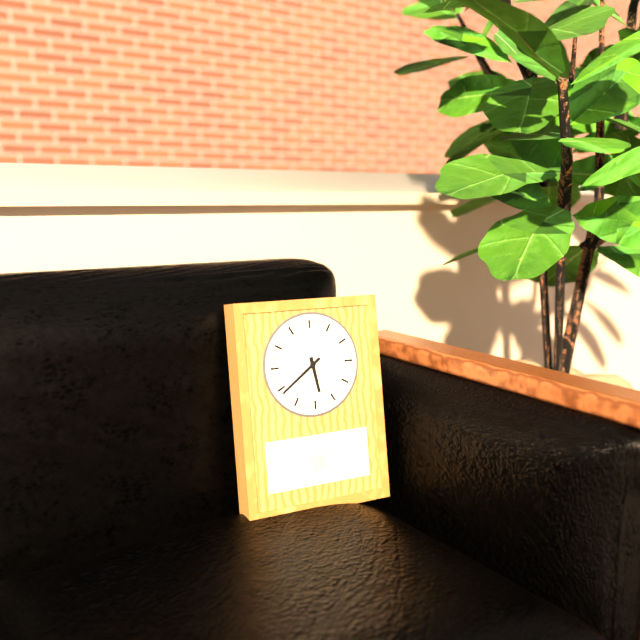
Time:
5h39
